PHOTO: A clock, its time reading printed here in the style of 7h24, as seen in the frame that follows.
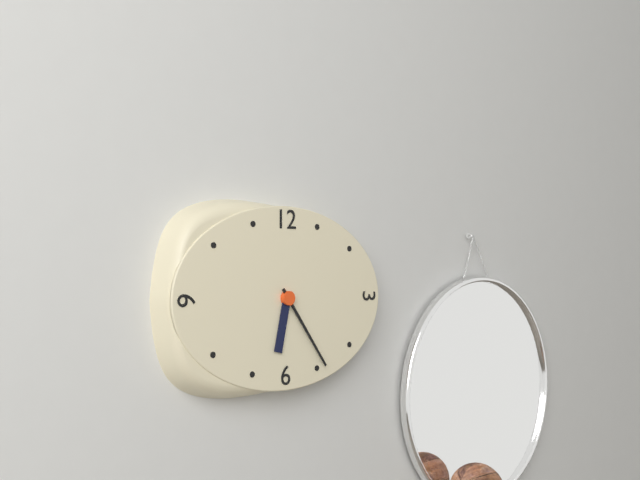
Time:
6h24
